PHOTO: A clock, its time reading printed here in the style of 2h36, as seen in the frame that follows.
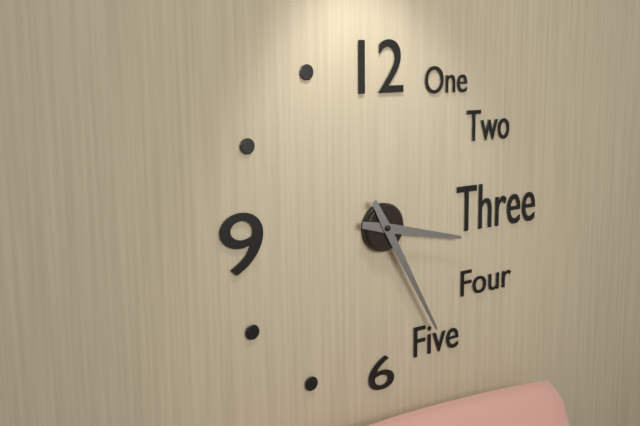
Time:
3h25
